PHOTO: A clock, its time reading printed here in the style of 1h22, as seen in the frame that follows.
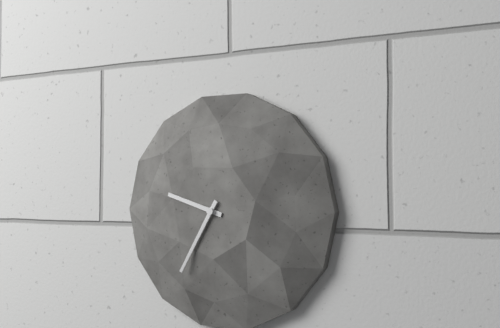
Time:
9h35
